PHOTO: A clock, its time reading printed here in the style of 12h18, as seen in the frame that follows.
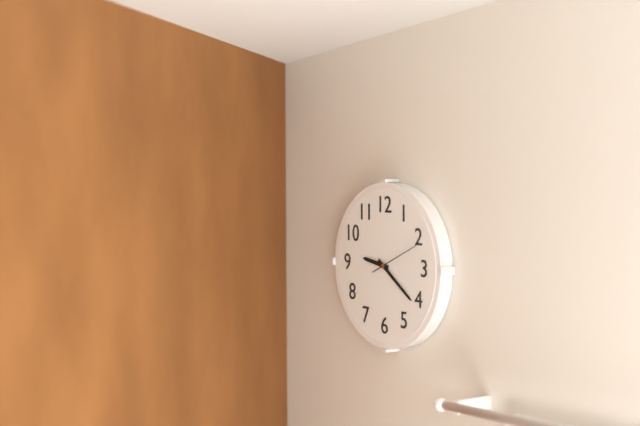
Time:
9h21
